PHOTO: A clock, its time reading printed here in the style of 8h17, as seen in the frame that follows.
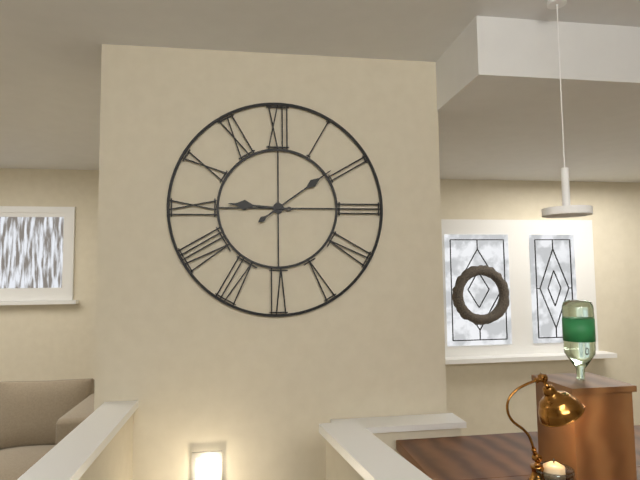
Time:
9h09
